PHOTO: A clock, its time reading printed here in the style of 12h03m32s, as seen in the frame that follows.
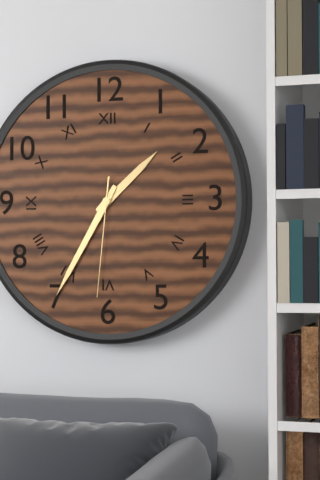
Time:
1h35m31s
